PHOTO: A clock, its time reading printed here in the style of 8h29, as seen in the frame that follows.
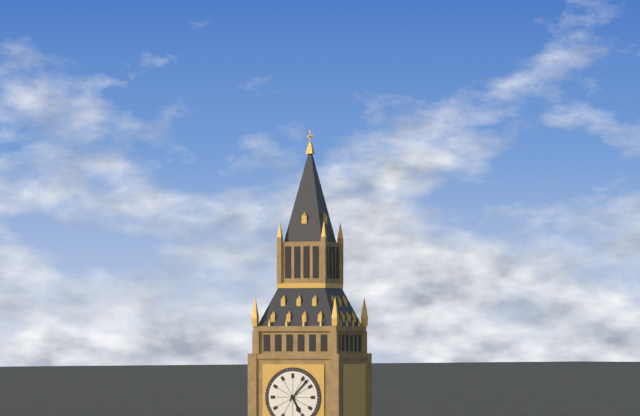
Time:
5h07
